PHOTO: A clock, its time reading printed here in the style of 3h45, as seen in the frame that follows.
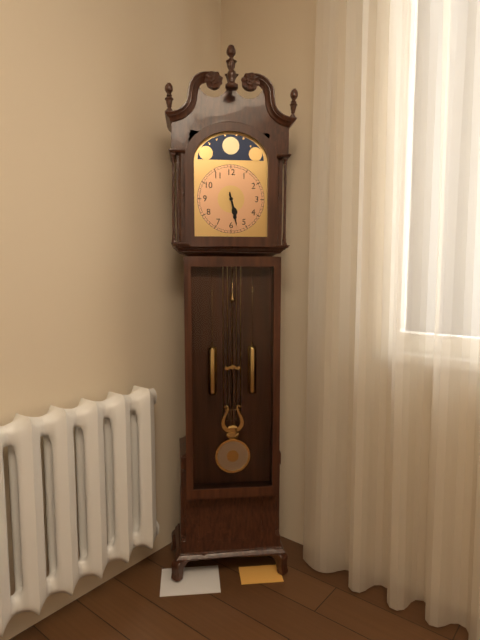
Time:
5h28
